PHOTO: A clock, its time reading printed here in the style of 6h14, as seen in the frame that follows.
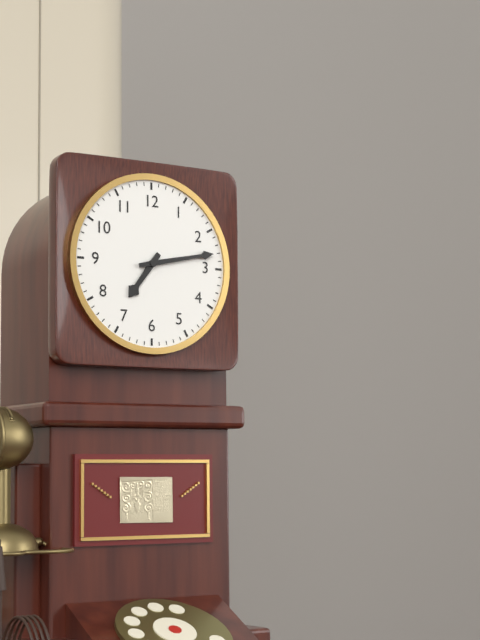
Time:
7h13
